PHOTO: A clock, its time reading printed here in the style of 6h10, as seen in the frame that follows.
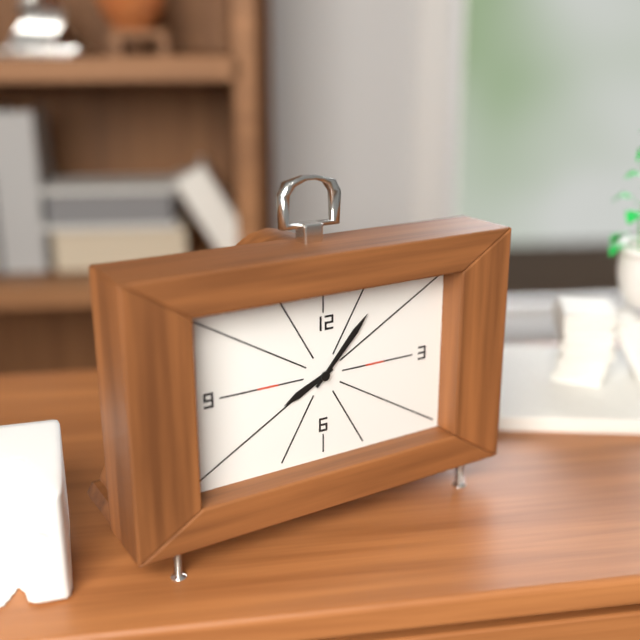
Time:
8h07
